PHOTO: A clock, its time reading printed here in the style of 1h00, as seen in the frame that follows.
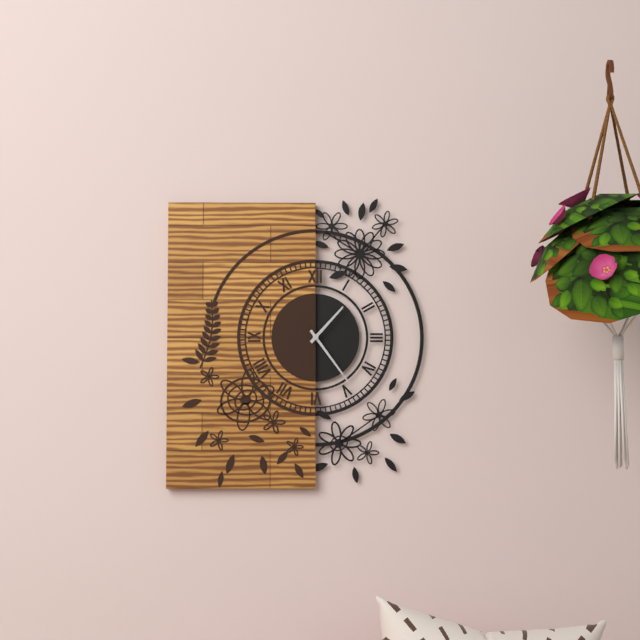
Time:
1h24
